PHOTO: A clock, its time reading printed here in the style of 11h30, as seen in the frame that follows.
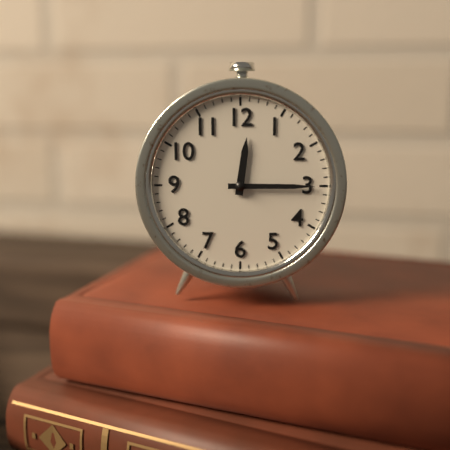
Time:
12h15
